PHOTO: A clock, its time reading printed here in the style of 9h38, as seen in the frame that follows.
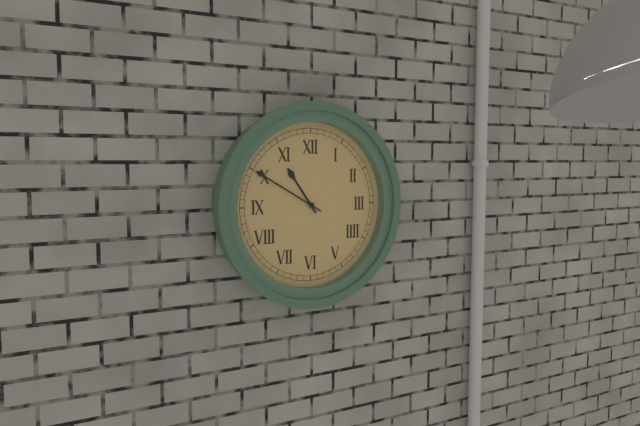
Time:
10h50
